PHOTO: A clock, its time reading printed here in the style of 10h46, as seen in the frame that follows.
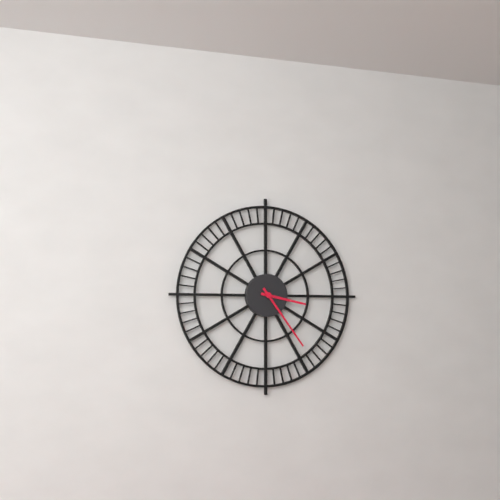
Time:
3h24
